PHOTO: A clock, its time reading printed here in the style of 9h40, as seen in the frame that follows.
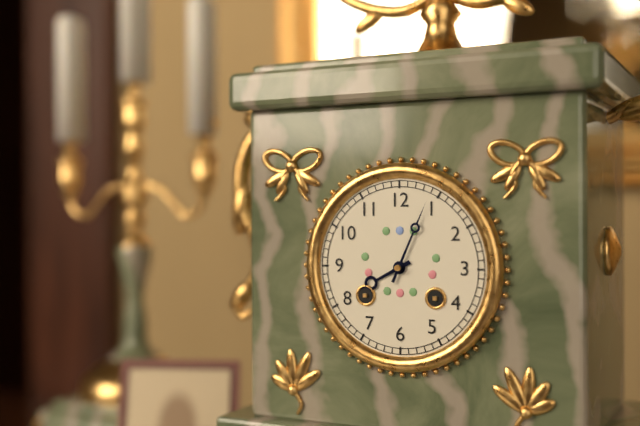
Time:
8h04
